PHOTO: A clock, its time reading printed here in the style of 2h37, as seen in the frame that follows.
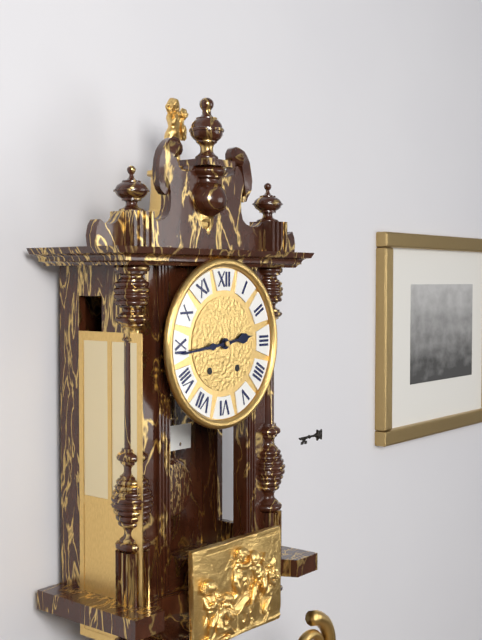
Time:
2h44
